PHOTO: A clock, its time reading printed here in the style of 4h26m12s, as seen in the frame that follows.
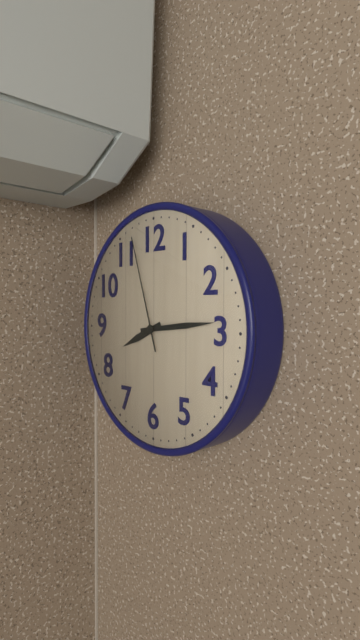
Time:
8h14m57s
